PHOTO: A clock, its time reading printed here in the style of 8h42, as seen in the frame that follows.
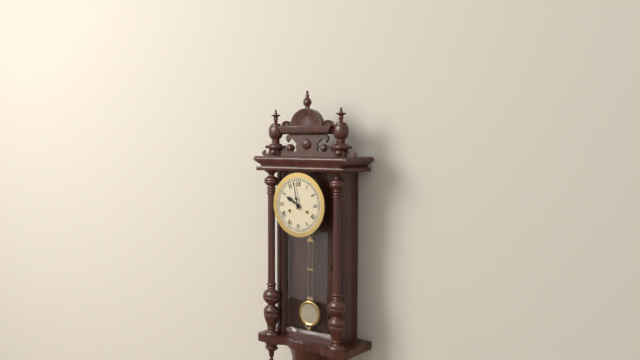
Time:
9h58
